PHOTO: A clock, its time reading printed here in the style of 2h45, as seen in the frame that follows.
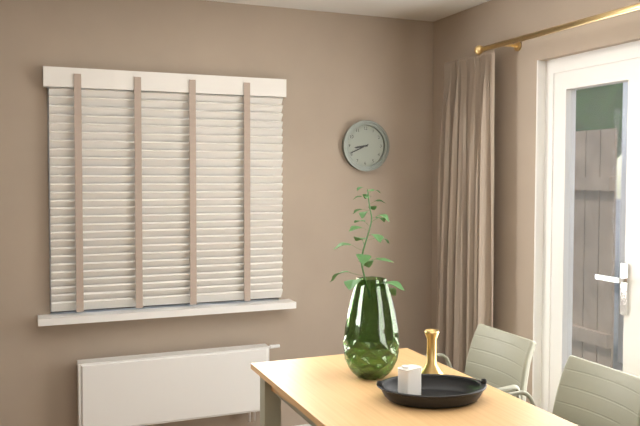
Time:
8h41
